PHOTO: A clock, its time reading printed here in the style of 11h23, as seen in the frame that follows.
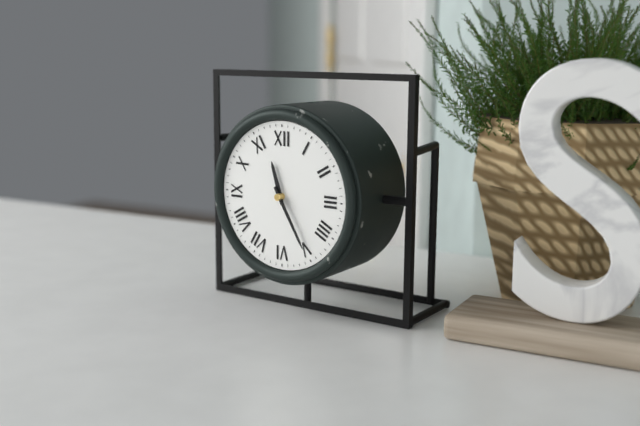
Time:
11h25
